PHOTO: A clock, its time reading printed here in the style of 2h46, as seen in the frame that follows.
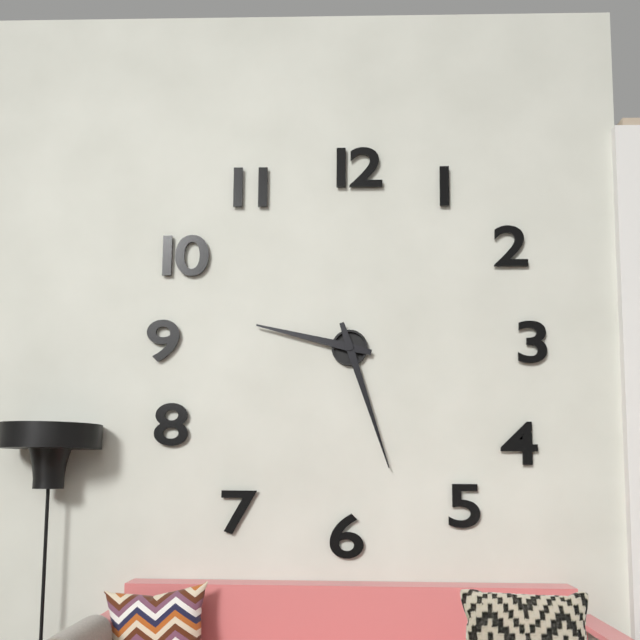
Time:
9h27
